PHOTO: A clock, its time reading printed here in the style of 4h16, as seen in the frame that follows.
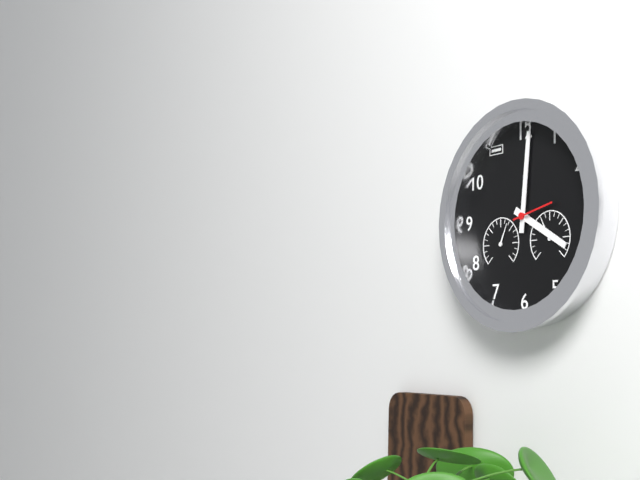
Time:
4h01
